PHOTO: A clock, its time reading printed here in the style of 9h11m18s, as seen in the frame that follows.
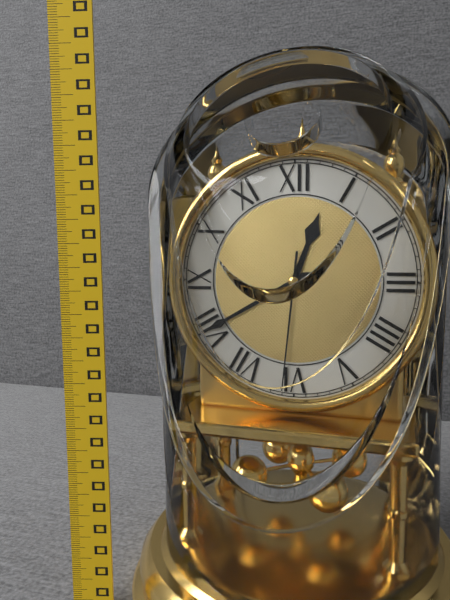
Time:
12h40m31s
